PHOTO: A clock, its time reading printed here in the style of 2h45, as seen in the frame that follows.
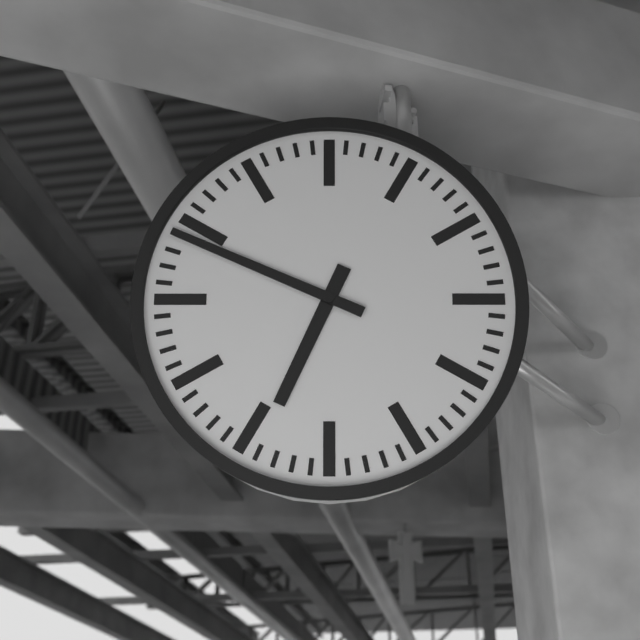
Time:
6h49
